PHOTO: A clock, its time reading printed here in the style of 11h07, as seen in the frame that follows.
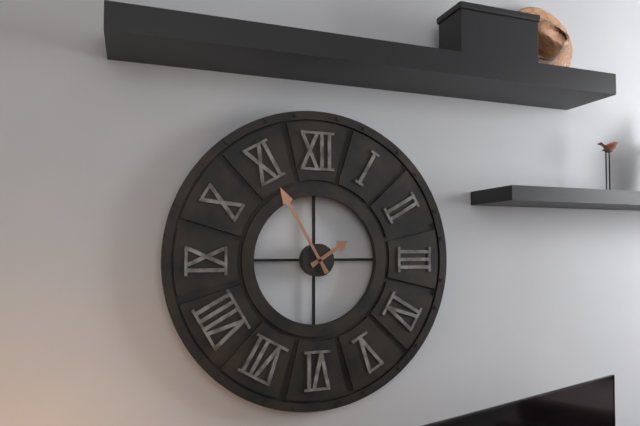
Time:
1h55
